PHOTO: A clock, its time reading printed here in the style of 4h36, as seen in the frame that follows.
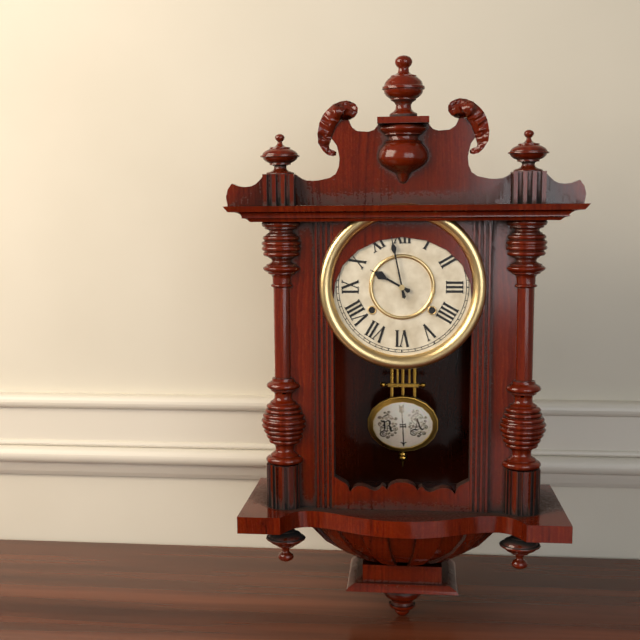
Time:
9h58
